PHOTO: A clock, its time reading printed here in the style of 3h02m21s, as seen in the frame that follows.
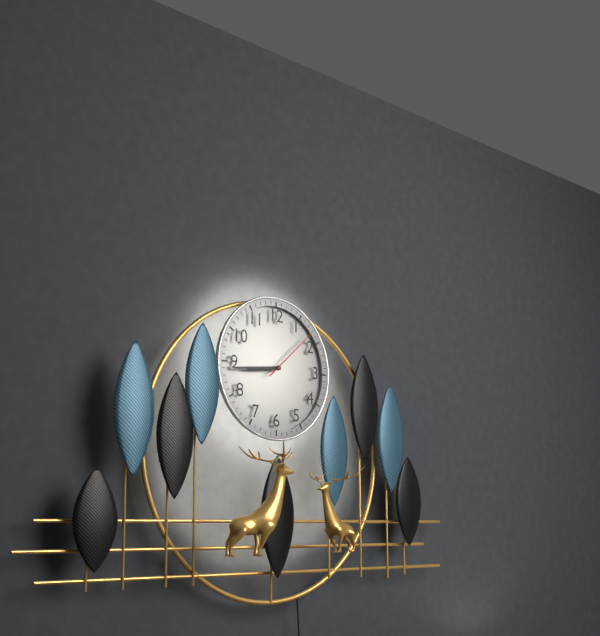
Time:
8h44m08s
